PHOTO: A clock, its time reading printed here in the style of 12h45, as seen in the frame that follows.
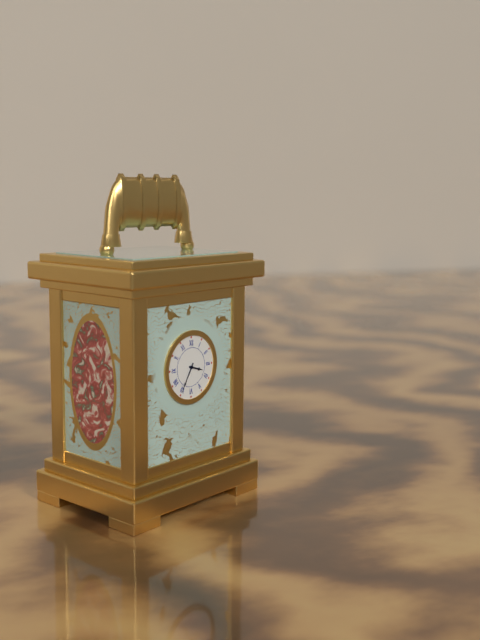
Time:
3h35
